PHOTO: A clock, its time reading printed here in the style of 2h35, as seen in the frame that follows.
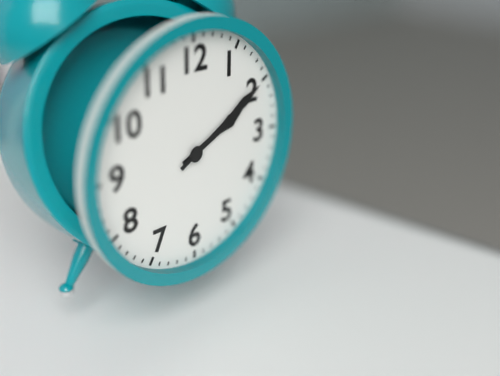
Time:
2h10
